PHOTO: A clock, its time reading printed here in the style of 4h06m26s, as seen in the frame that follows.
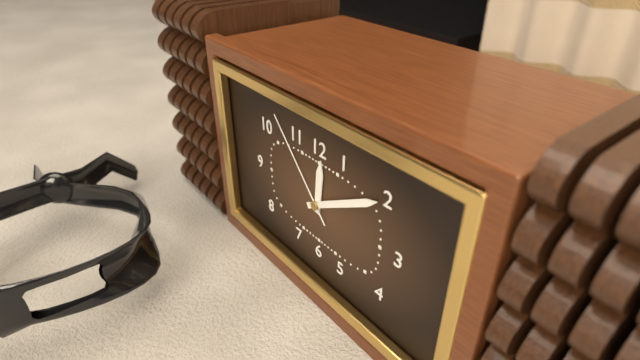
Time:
12h10m53s
